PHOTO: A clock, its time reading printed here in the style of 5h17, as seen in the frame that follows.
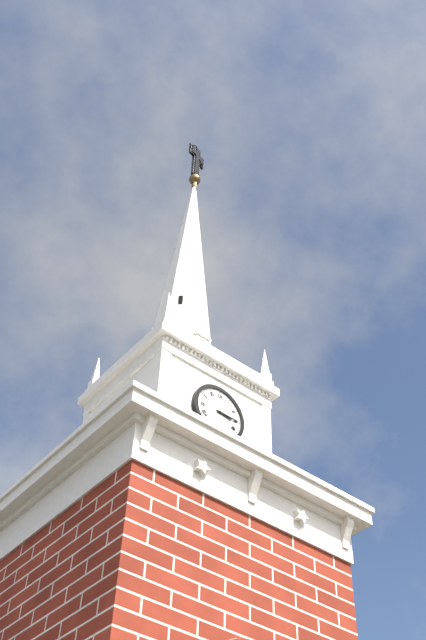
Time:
3h15
